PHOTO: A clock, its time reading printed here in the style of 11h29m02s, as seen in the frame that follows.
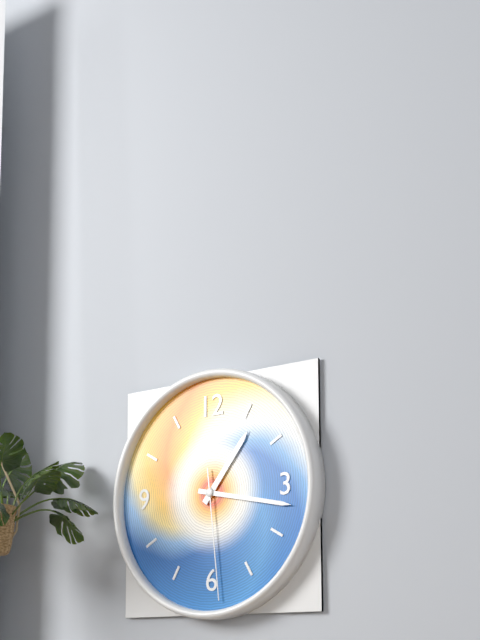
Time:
1h17m29s
